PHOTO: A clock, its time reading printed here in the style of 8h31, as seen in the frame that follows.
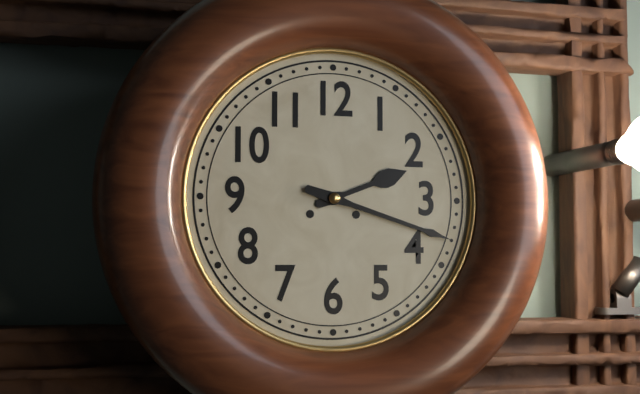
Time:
2h18
